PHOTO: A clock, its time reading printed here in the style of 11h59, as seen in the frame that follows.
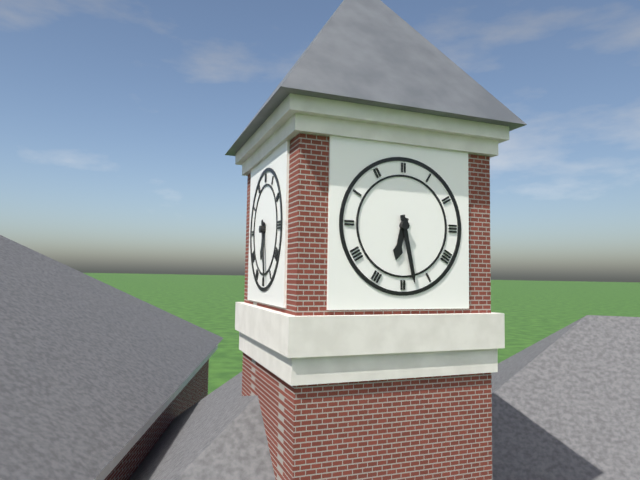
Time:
6h28
